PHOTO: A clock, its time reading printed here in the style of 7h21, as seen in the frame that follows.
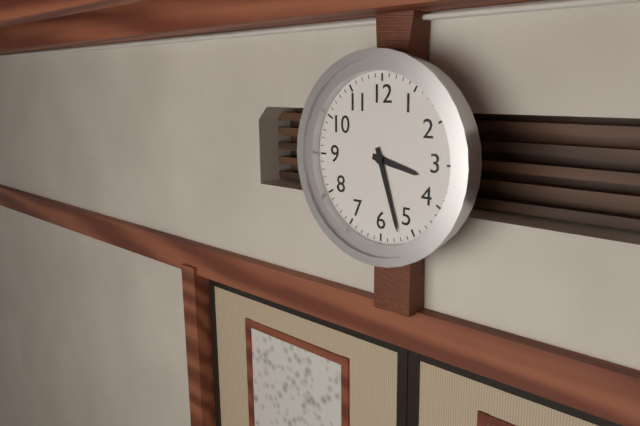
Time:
3h27
